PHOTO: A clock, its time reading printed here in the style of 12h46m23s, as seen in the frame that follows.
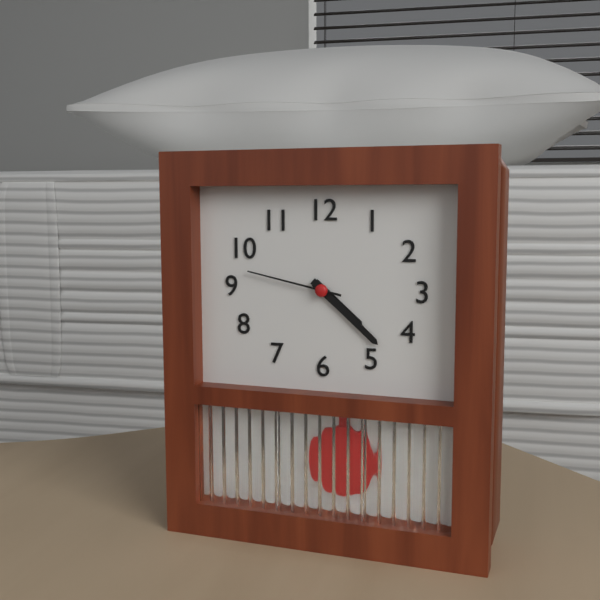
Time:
4h22m47s
